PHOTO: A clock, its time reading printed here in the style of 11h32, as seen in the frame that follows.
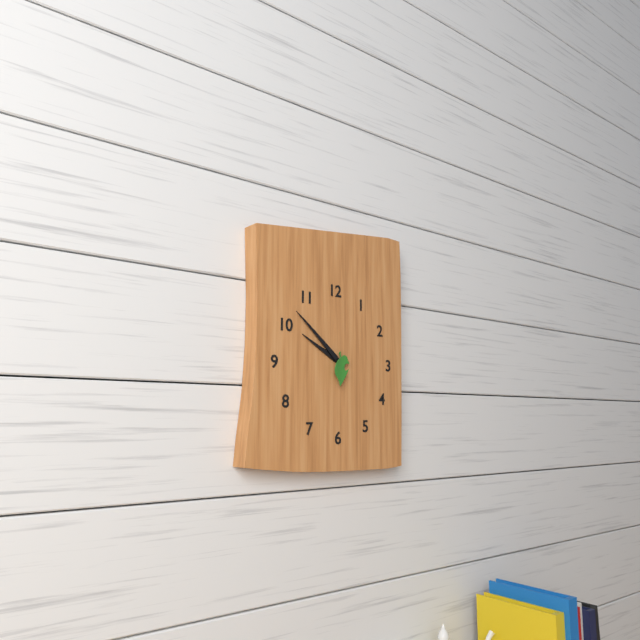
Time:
9h52
